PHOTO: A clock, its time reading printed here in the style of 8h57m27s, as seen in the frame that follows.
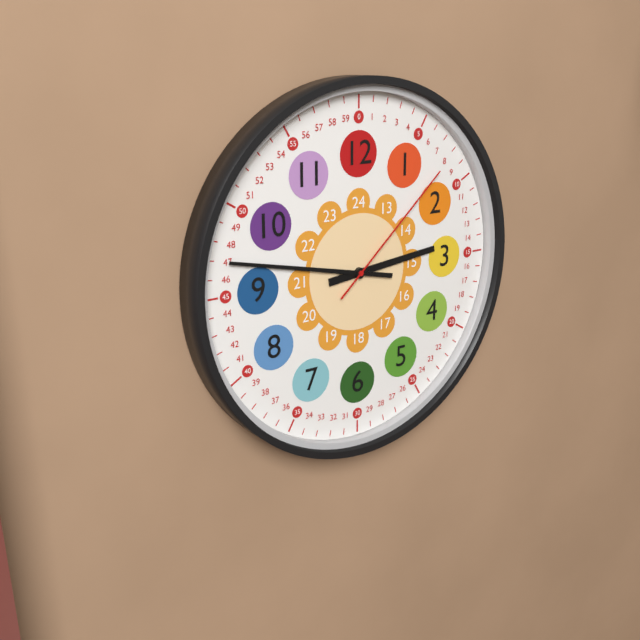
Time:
2h47m08s
